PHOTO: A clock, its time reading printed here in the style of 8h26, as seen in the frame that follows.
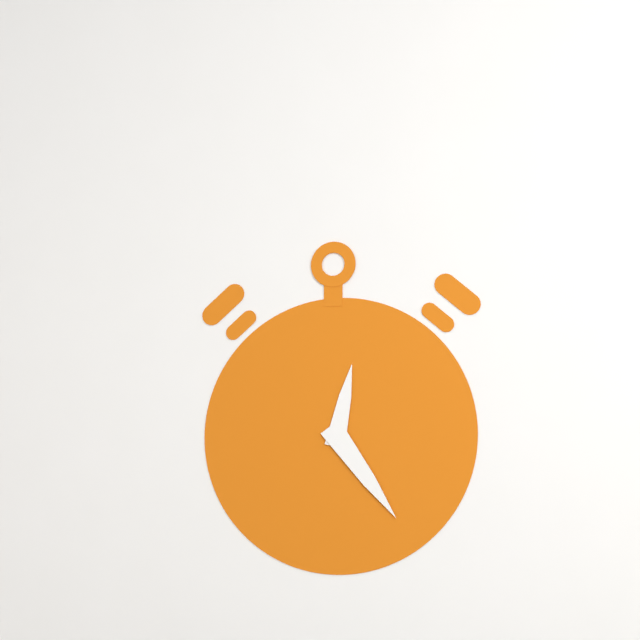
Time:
12h24
